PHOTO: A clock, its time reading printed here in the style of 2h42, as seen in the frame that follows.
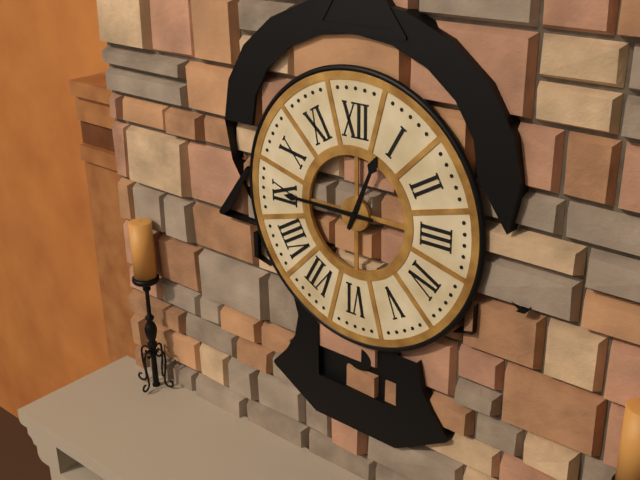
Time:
12h45
